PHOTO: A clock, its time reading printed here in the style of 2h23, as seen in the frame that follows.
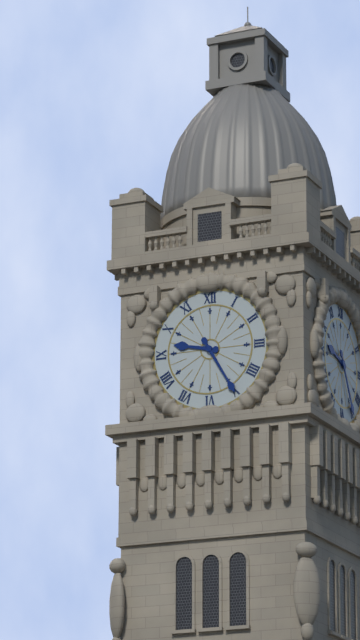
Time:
9h25
